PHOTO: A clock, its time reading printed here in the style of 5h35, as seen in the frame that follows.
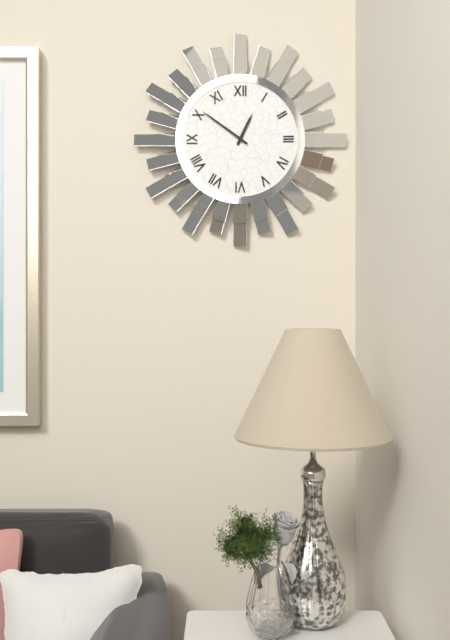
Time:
12h51
